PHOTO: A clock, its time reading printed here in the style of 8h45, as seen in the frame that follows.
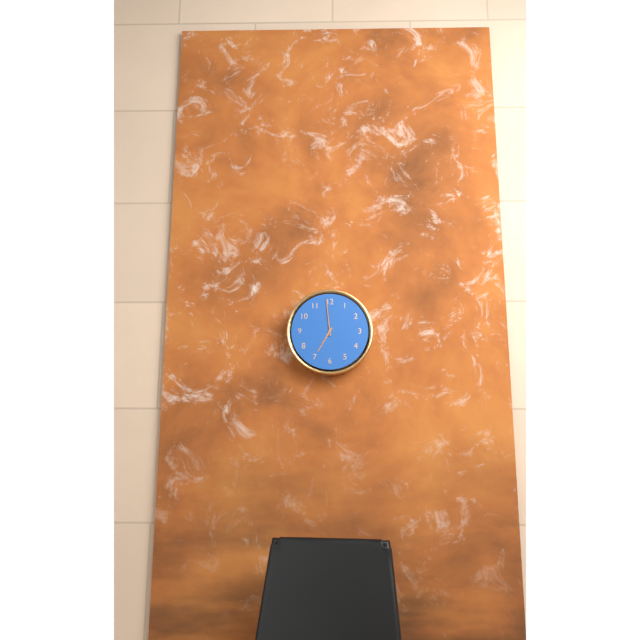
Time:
6h59
